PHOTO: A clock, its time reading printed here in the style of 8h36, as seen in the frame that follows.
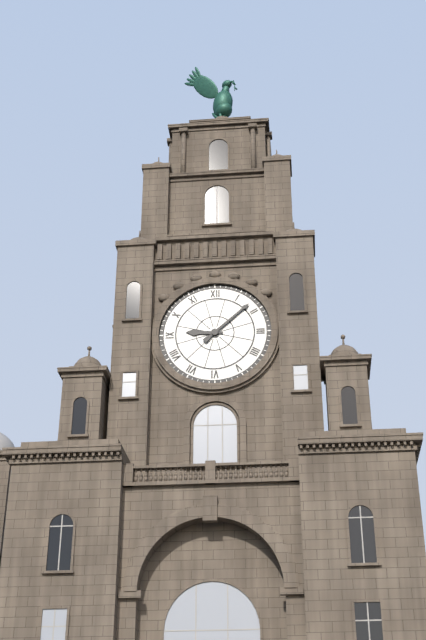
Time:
9h08
